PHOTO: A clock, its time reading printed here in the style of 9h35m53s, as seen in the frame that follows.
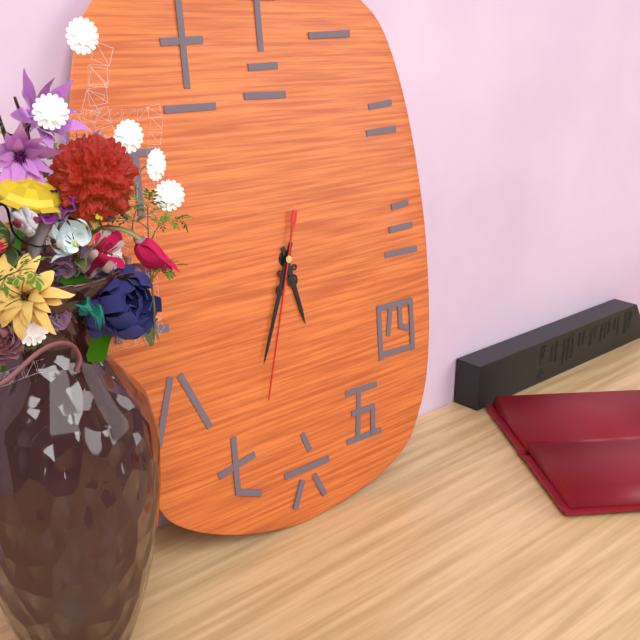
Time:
5h34m33s
